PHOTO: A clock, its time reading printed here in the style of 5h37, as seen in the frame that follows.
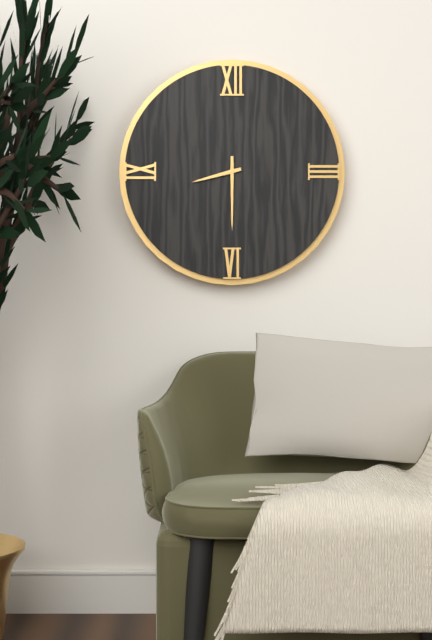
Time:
8h30
